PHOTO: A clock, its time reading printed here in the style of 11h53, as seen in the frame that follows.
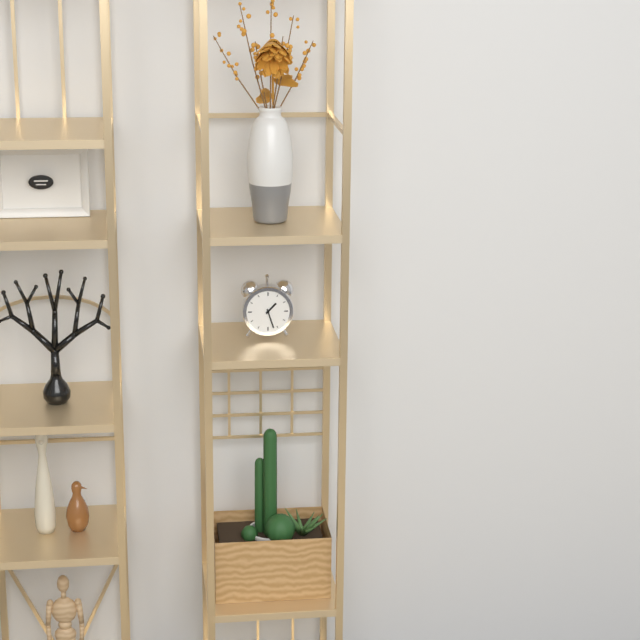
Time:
1h27
